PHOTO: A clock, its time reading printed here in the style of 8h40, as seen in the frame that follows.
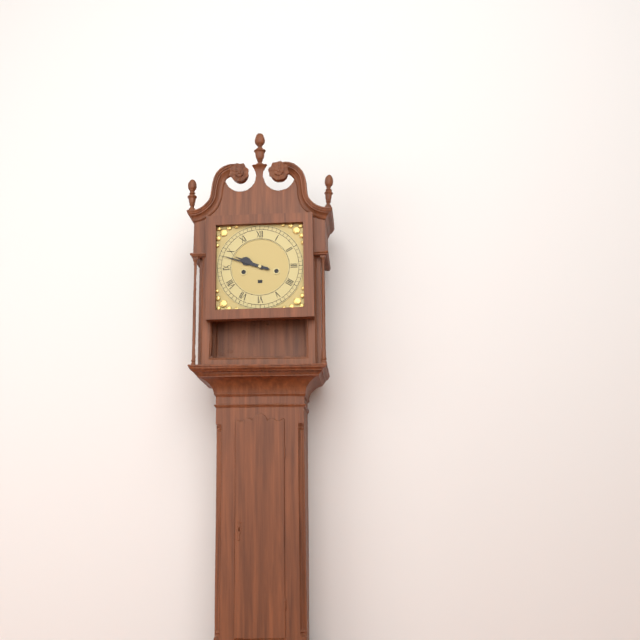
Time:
9h48
